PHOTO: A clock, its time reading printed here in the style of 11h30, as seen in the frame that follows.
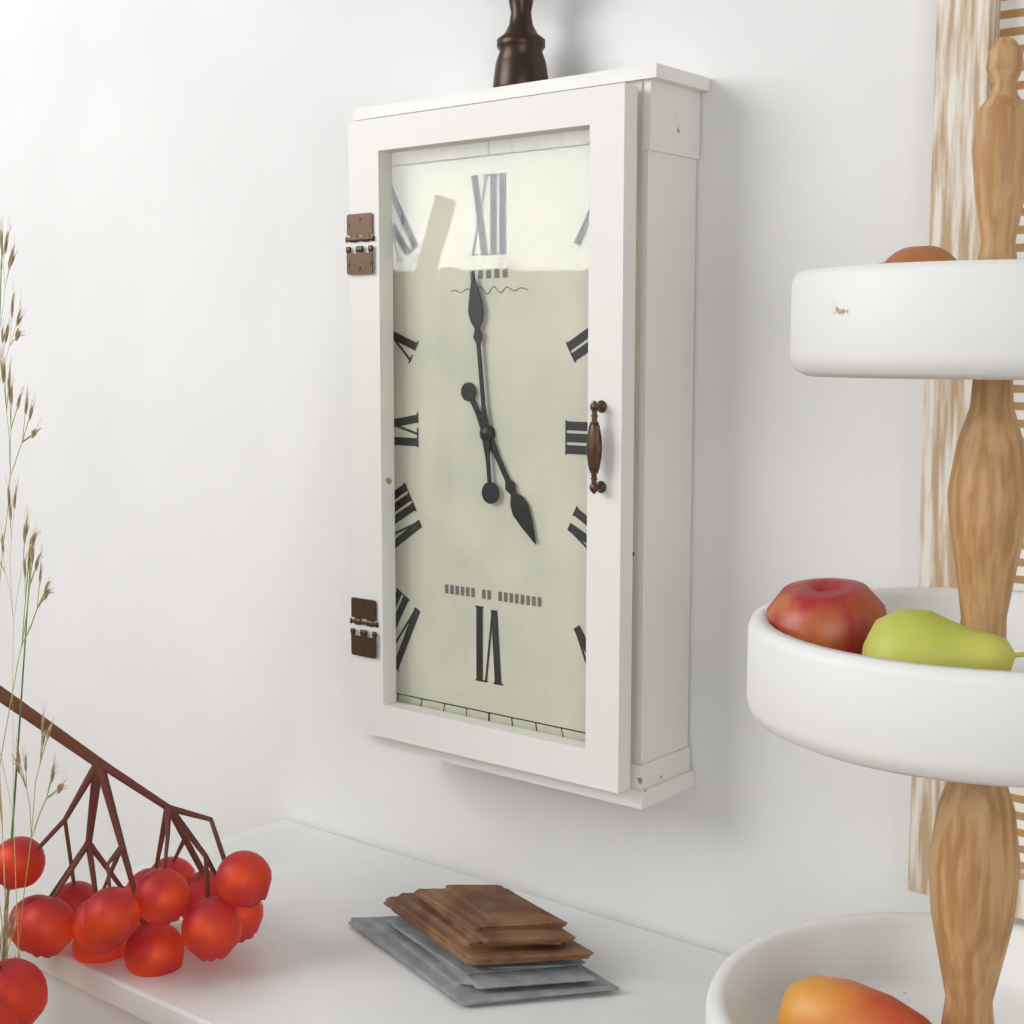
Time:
4h59
